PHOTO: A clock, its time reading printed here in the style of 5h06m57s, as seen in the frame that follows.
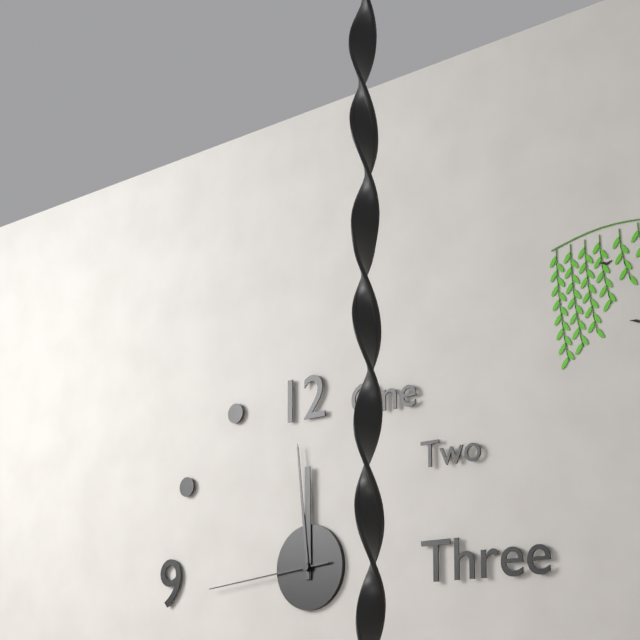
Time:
11h59m44s
